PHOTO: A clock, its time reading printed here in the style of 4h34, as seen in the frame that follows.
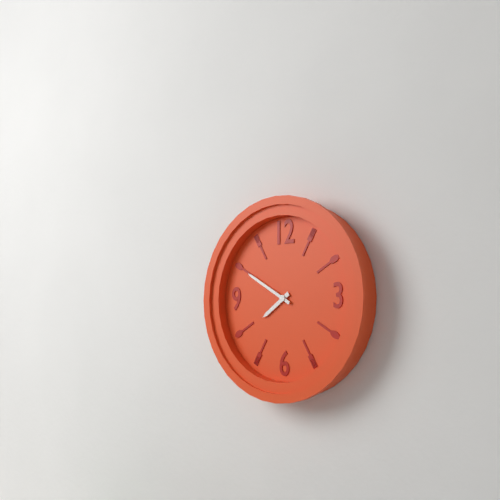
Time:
7h50
